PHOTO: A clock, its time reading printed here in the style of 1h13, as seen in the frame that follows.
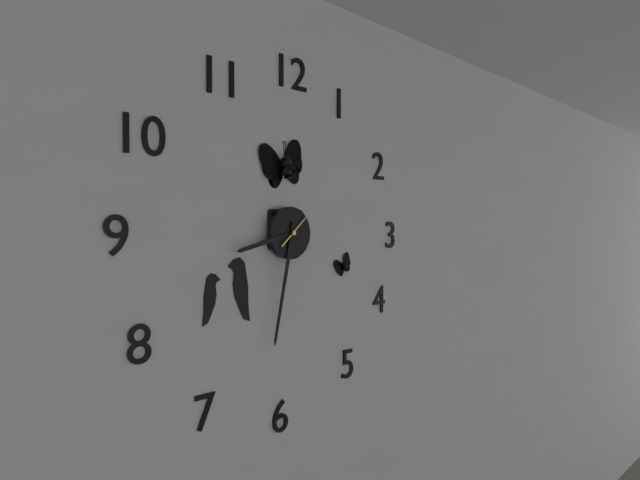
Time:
8h32
